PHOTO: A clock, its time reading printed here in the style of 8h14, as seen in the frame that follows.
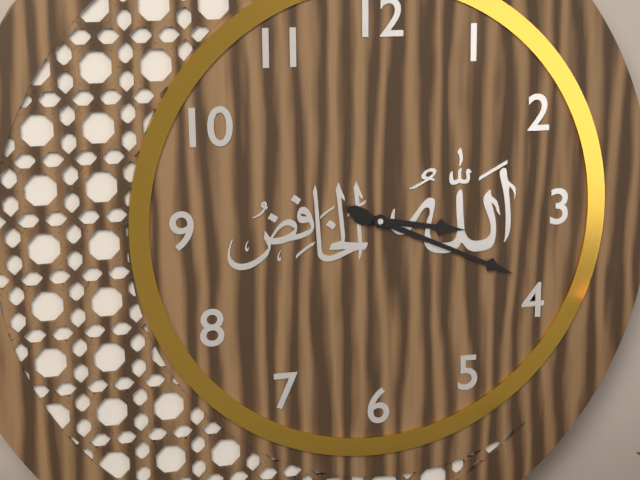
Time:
3h19
